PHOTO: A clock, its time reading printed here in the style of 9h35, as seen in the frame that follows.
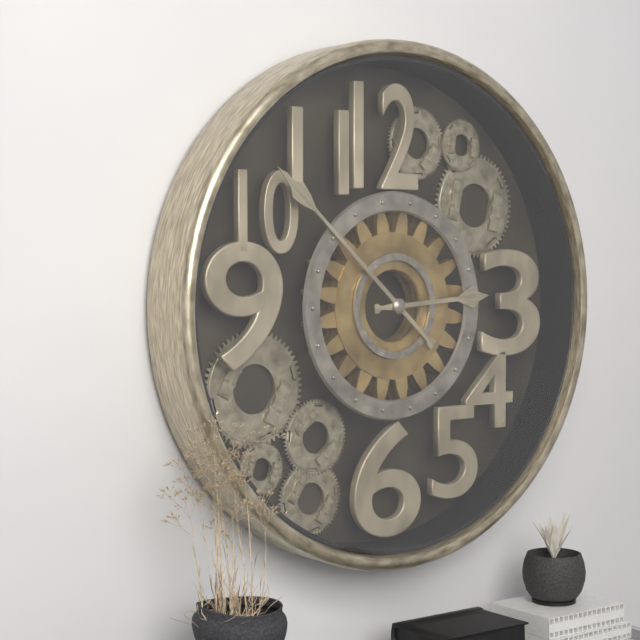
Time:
2h52
